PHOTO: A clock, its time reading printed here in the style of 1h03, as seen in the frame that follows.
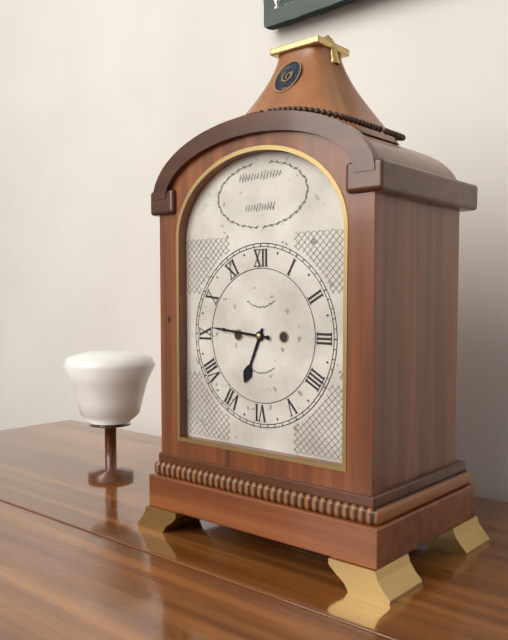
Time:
6h46
